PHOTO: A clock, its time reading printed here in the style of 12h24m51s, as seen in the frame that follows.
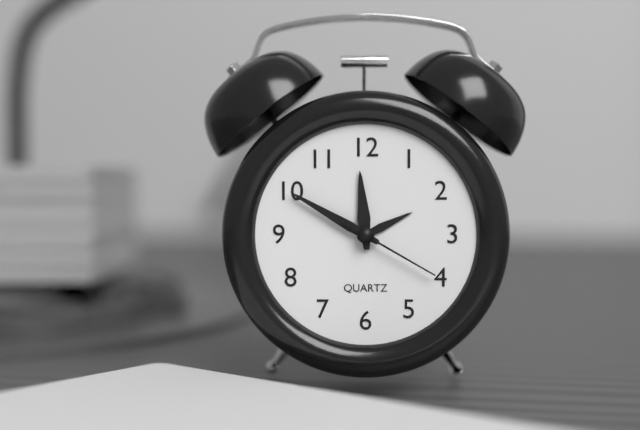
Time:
11h50m20s
